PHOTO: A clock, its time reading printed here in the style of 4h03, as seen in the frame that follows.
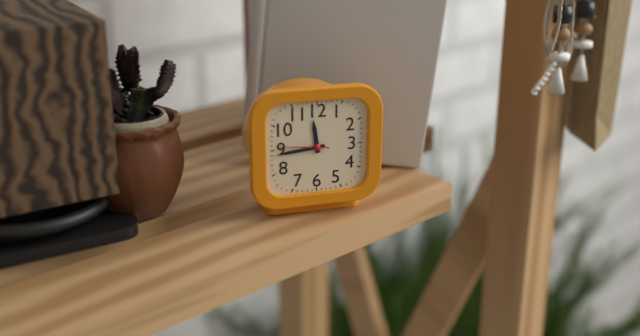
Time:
11h44
